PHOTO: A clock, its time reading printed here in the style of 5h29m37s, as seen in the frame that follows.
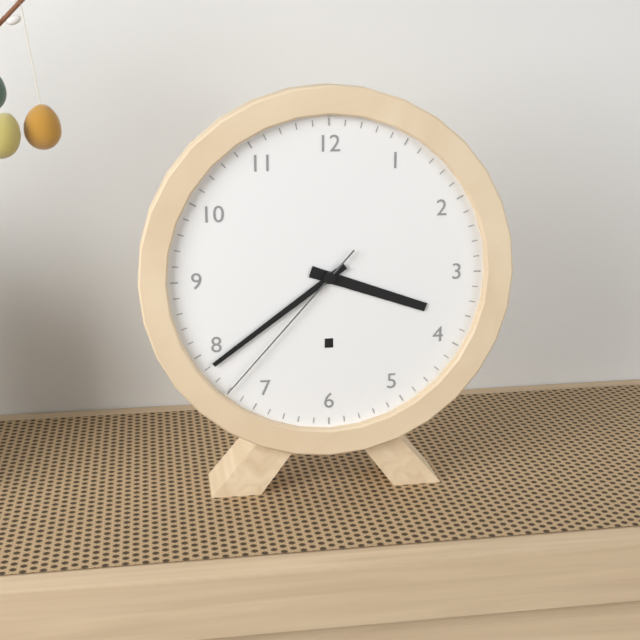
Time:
3h39m37s
